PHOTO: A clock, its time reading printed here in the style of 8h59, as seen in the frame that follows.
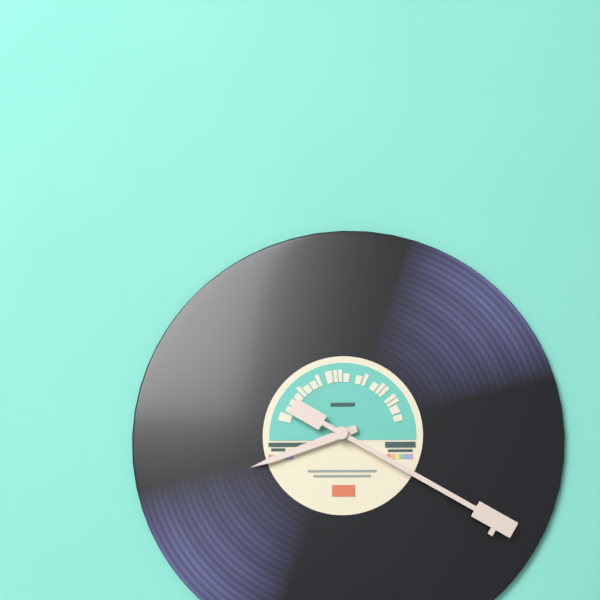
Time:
8h20
